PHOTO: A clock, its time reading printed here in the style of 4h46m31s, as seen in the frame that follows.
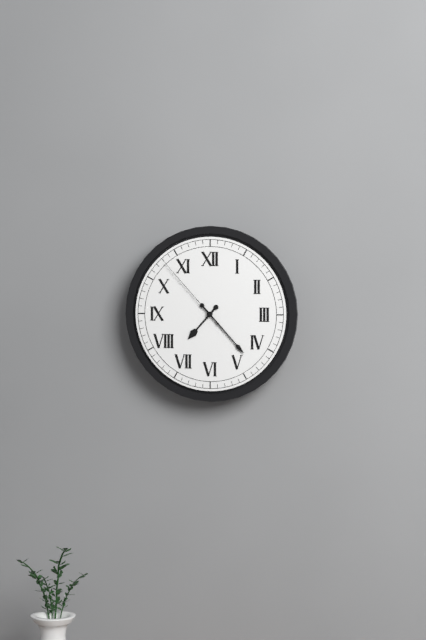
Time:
7h23m53s
